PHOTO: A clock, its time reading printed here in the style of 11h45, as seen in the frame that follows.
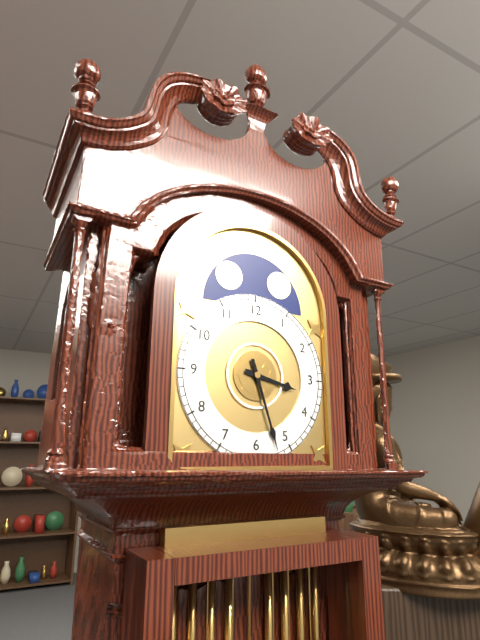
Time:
3h27
